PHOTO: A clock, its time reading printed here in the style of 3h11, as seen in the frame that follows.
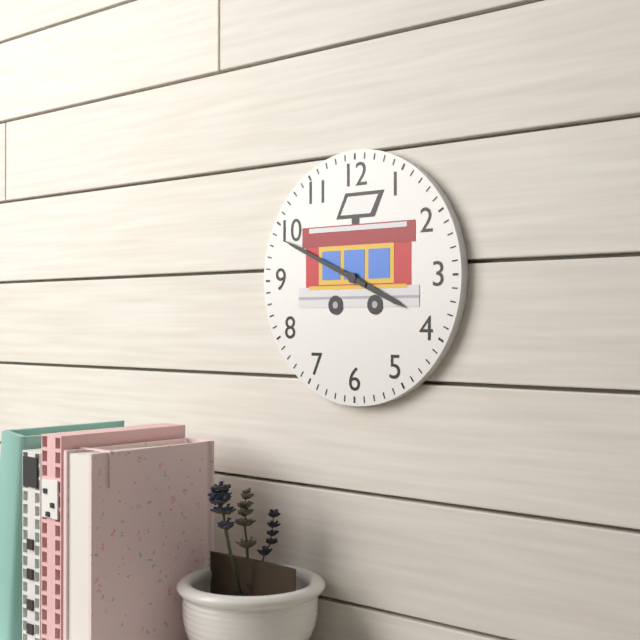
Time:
3h49
